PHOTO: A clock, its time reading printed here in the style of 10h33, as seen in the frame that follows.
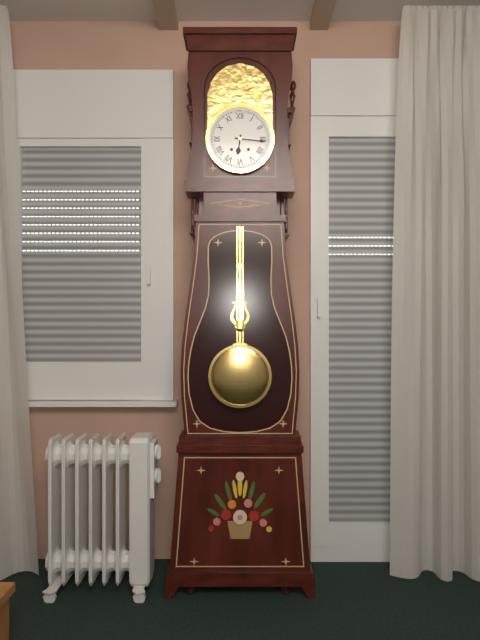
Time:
6h16
